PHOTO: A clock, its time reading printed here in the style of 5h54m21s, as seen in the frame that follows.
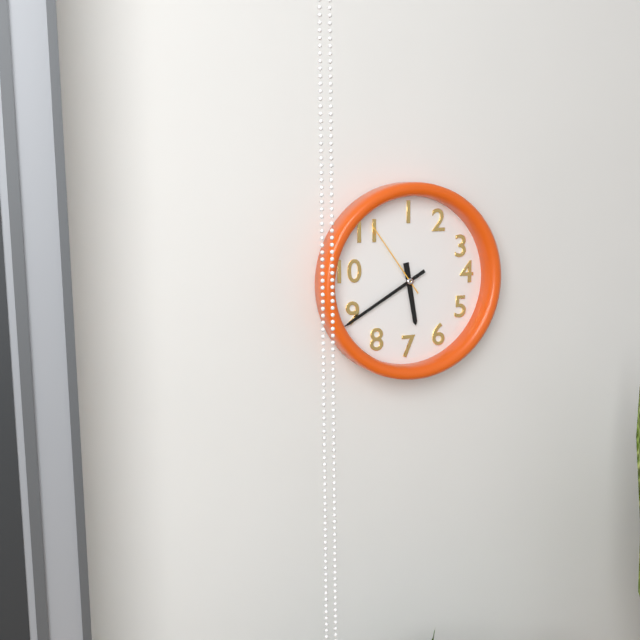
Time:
5h40m54s
